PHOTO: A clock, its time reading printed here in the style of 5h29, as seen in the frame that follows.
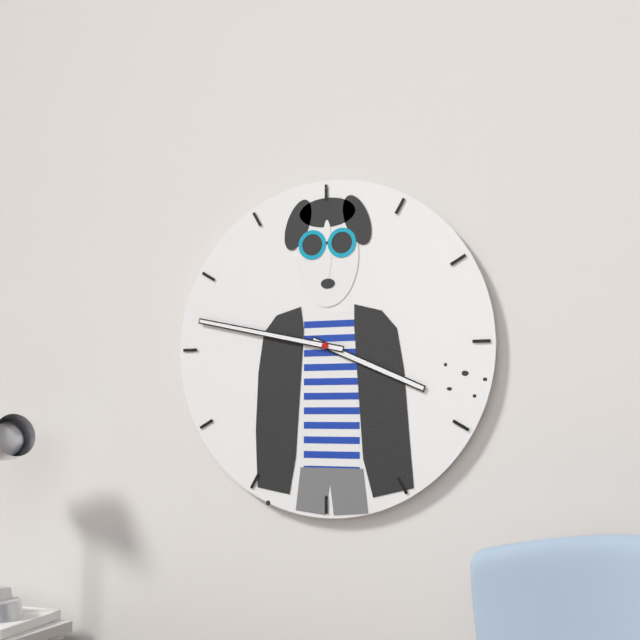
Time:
3h47
